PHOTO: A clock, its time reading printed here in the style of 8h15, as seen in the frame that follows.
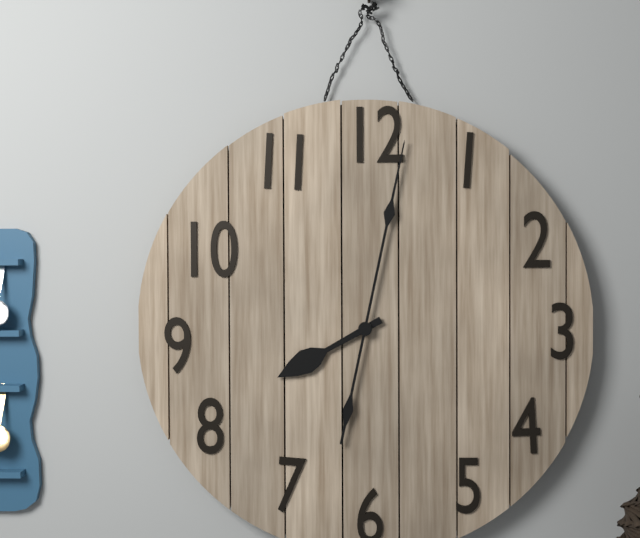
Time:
8h02
